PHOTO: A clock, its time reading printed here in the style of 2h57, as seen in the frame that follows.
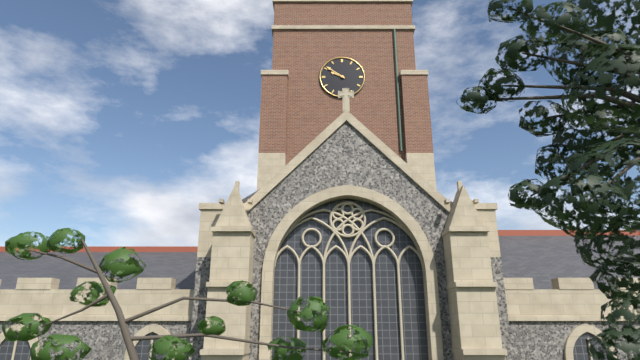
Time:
9h51
